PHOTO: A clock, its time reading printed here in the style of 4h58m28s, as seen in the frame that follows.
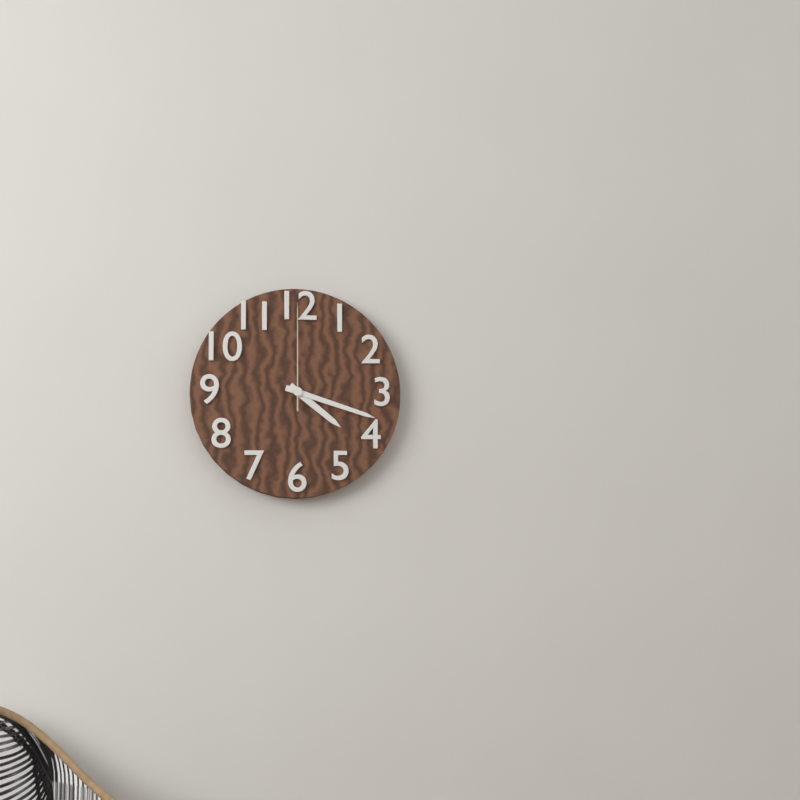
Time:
4h18m00s
